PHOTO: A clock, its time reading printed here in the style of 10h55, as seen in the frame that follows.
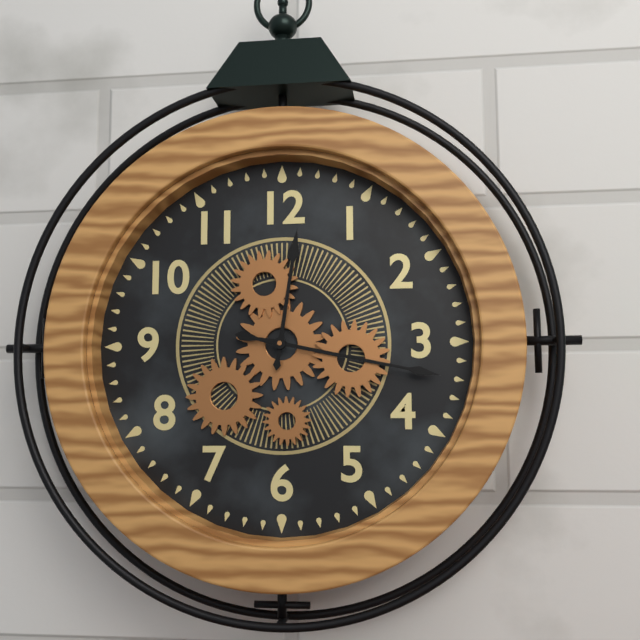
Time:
12h17
